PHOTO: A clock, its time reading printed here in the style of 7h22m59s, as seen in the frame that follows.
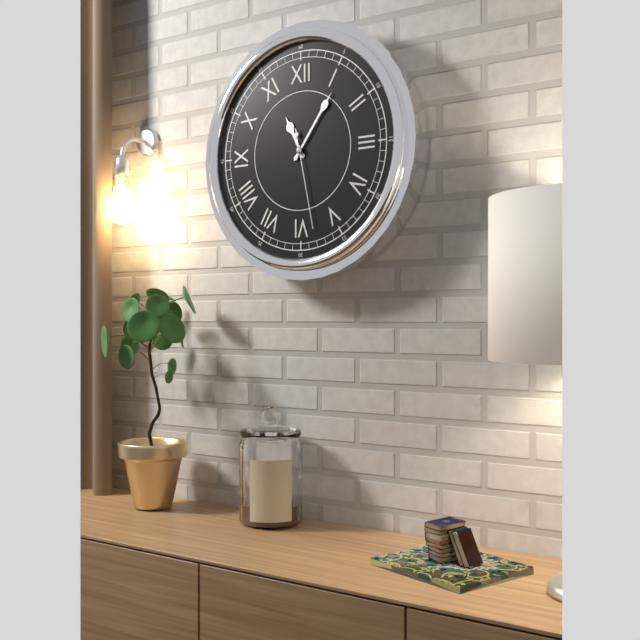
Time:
11h06m28s
